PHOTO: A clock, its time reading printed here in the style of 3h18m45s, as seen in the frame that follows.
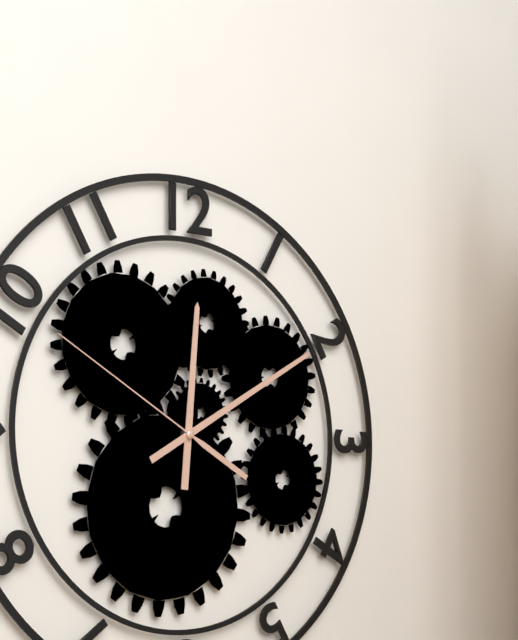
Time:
12h10m50s
